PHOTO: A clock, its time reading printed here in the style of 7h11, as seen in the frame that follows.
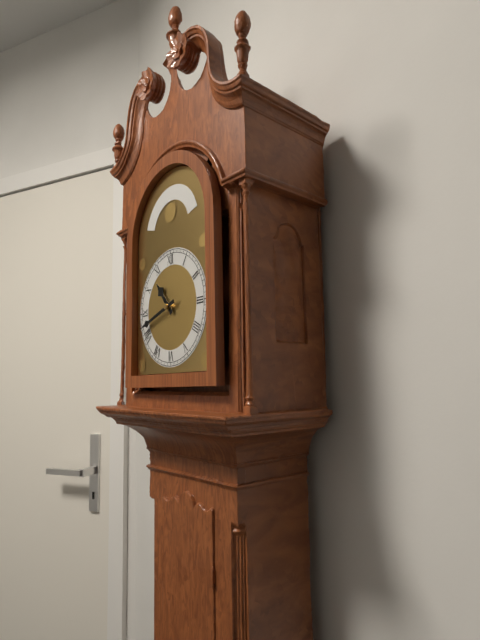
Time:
10h42
